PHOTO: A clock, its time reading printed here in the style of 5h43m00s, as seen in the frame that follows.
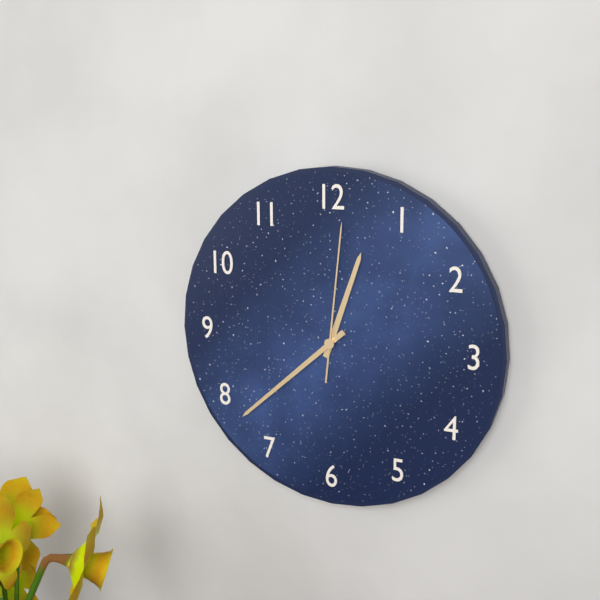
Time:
12h38m01s
